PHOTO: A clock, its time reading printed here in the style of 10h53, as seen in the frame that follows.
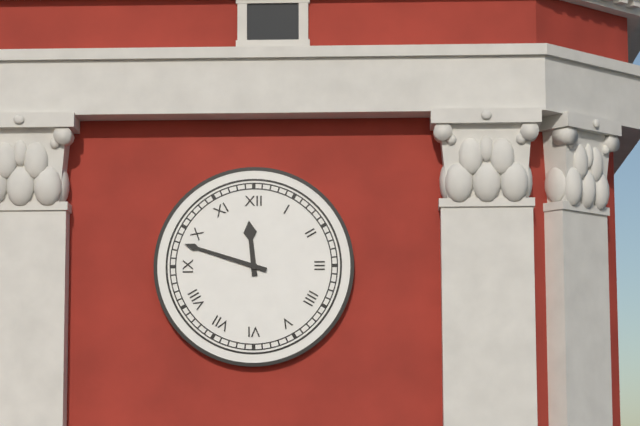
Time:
11h48
